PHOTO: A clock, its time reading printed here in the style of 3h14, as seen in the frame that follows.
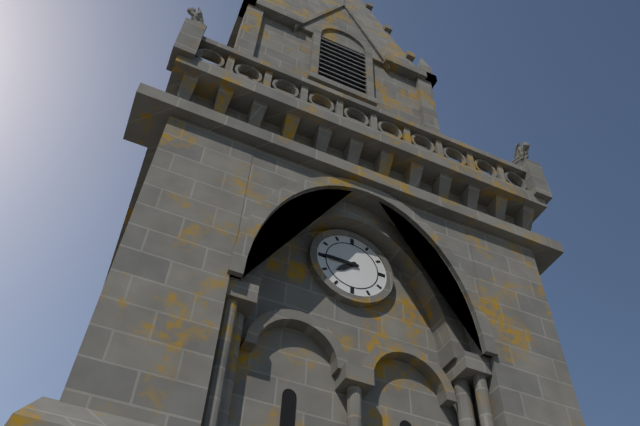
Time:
7h45
